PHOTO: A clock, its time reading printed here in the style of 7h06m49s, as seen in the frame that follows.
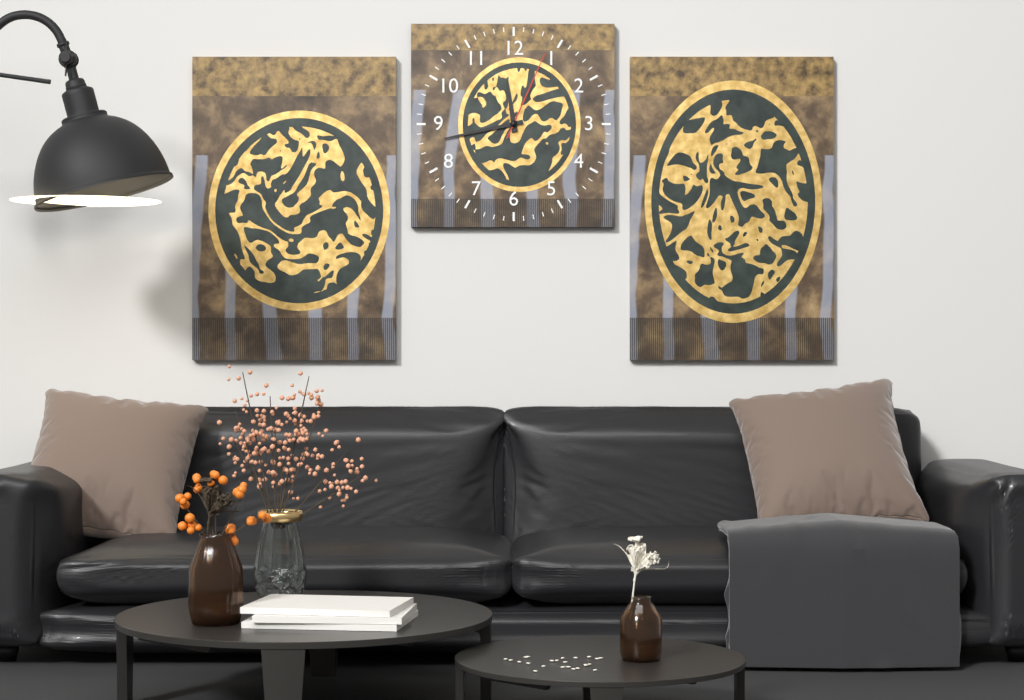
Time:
11h43m04s
